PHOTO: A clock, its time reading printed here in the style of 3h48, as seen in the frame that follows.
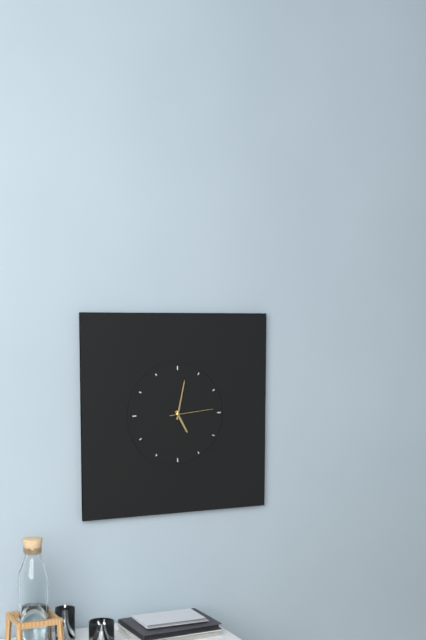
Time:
5h02
